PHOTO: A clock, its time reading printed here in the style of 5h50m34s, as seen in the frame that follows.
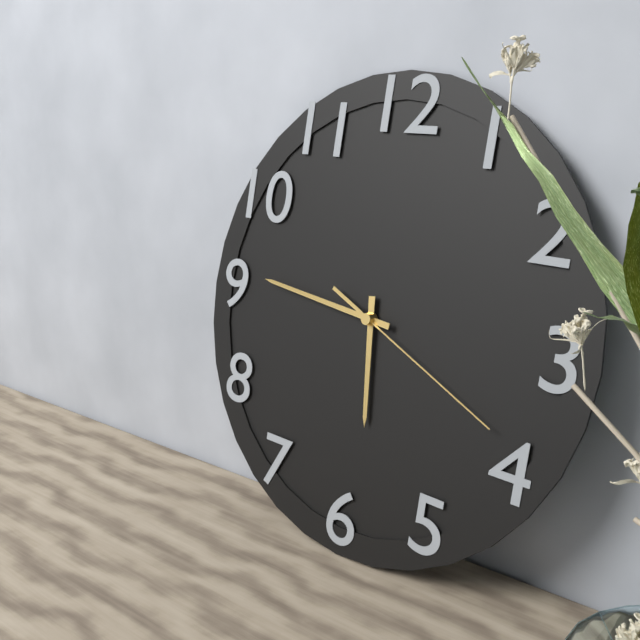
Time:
5h46m19s
